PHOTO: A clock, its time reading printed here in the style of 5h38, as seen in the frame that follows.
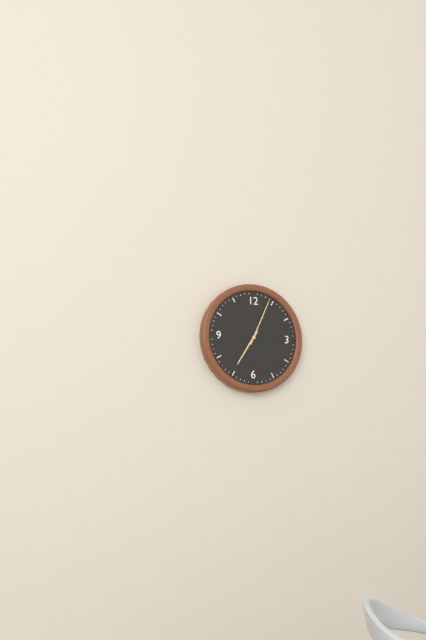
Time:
7h04
